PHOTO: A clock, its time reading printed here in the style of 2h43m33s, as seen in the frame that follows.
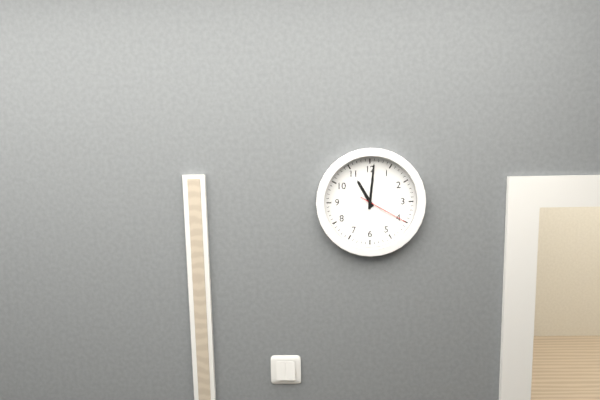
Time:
11h01m20s
